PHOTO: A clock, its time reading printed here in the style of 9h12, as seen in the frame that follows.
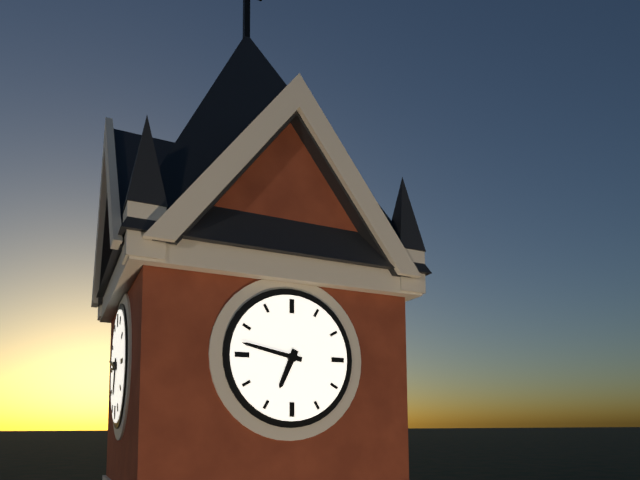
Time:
6h47
